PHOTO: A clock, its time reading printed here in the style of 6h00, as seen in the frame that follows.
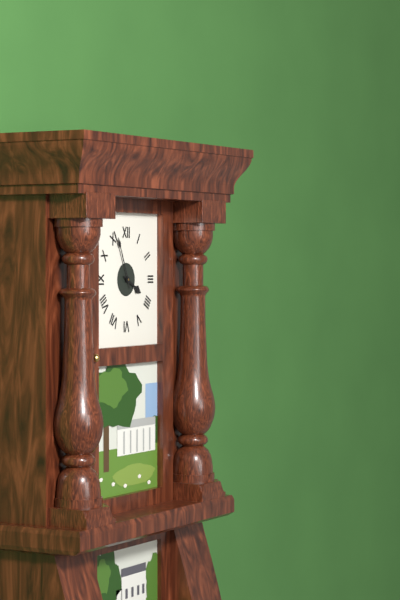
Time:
3h56
